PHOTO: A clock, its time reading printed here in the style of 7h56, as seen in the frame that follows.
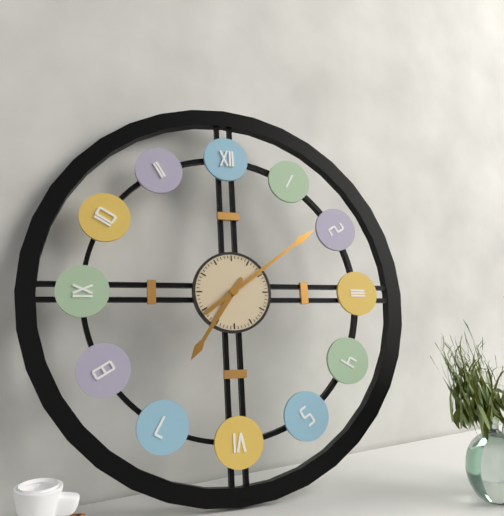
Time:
7h09
